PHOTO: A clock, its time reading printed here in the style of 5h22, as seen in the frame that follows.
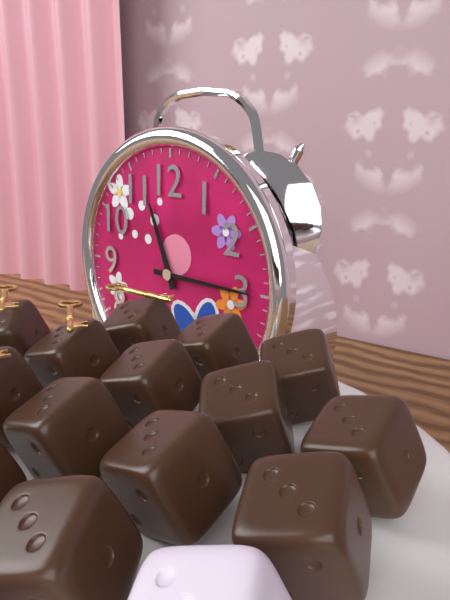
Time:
11h15
